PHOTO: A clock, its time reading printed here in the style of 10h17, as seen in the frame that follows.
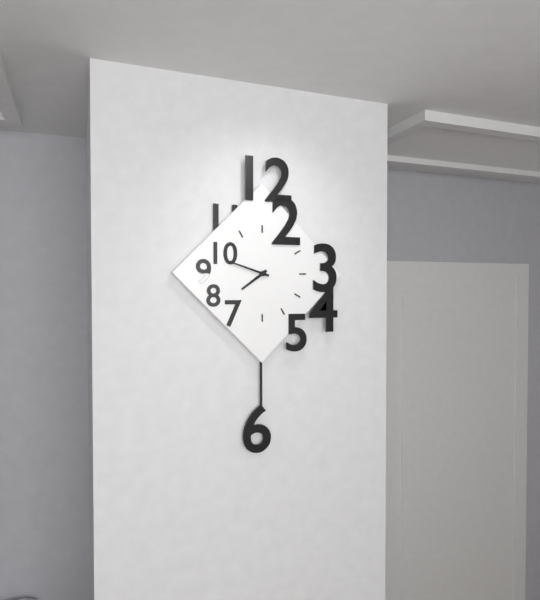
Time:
7h48
